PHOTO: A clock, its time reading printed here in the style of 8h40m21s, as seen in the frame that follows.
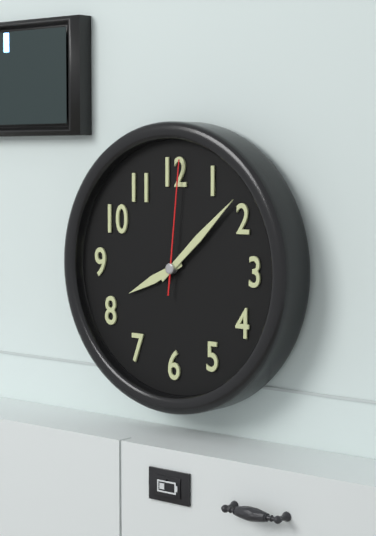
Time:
8h08m01s
